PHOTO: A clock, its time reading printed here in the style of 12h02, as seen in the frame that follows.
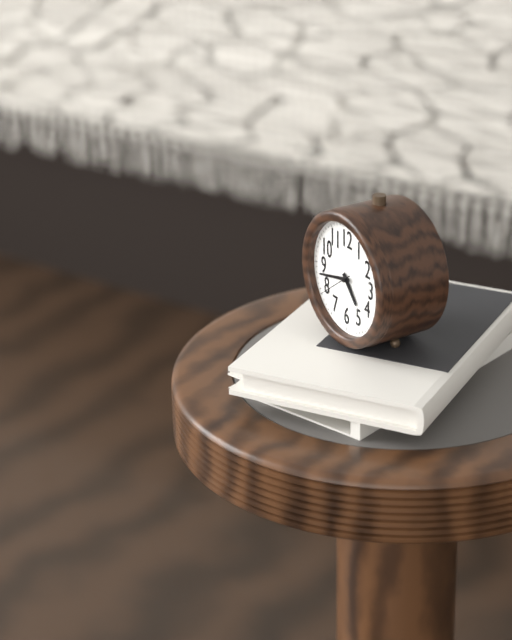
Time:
4h43
